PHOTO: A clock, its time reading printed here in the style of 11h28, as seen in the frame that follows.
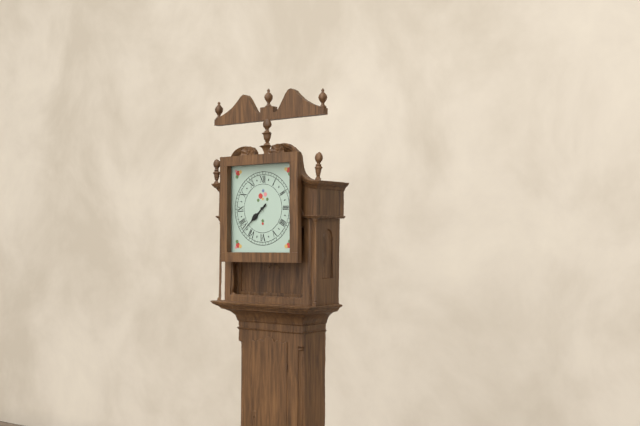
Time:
7h38
